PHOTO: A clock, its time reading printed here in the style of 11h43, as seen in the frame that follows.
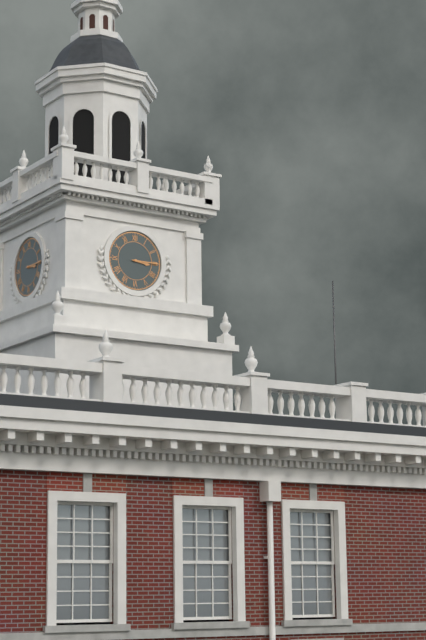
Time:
3h15
